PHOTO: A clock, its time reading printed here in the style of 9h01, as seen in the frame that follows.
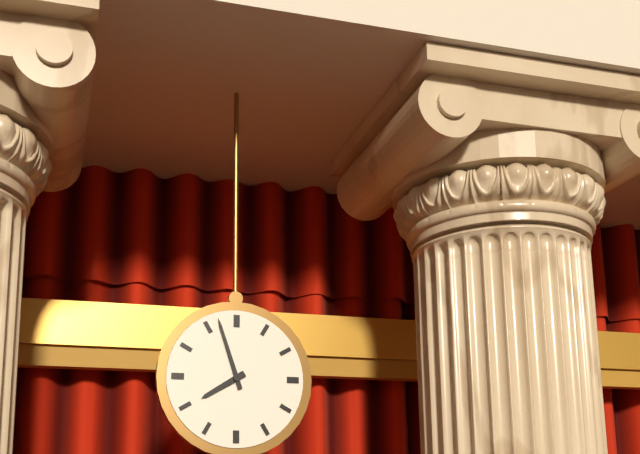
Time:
7h57
